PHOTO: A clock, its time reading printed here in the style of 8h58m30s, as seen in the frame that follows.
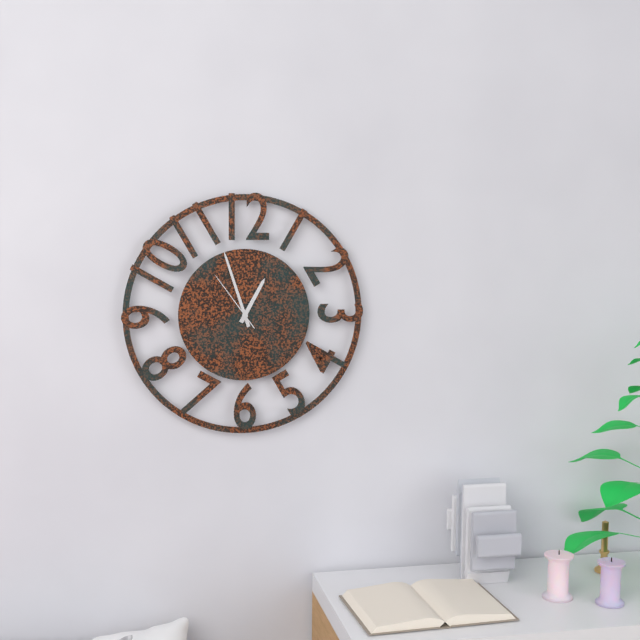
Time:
12h57m54s
